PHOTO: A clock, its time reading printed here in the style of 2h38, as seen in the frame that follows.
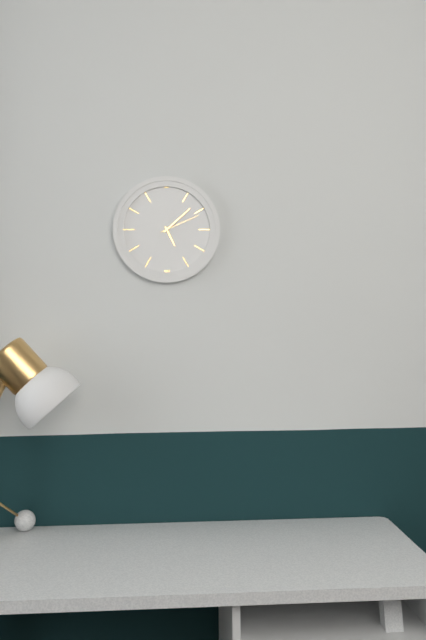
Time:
5h08
